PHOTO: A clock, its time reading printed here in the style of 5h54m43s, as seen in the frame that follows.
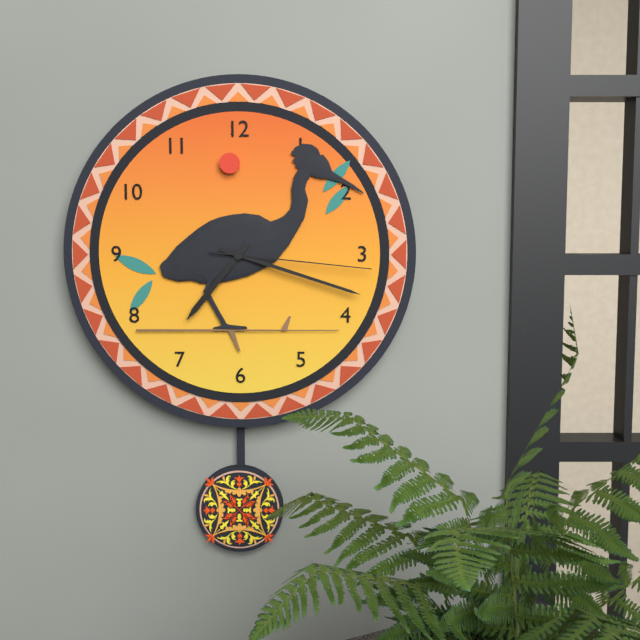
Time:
7h18m16s
